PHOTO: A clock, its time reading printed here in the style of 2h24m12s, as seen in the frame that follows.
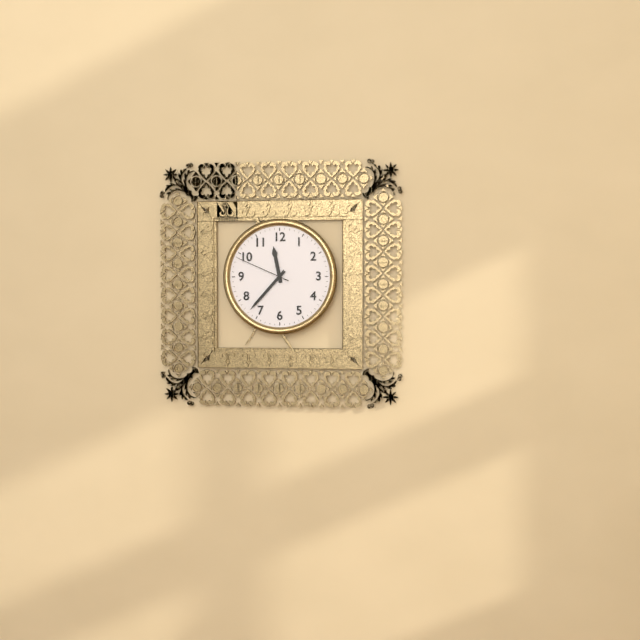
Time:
11h37m49s
